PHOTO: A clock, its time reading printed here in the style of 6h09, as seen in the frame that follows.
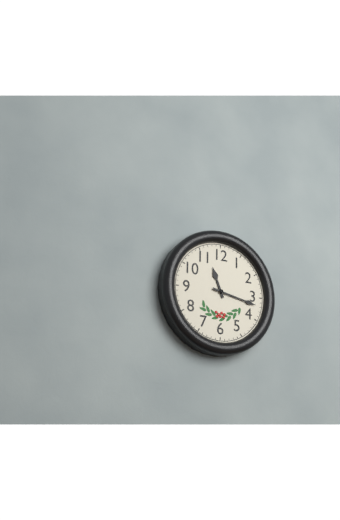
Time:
11h17
